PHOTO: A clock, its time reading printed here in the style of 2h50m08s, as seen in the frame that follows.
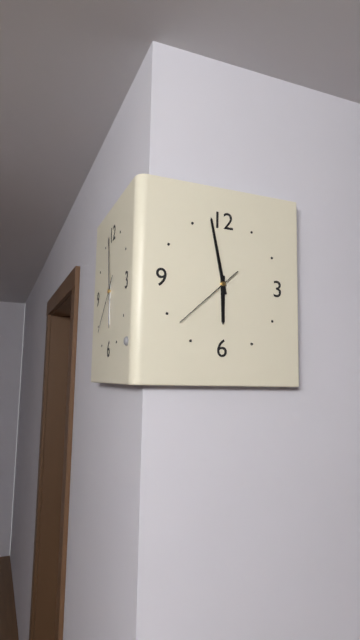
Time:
5h58m38s
